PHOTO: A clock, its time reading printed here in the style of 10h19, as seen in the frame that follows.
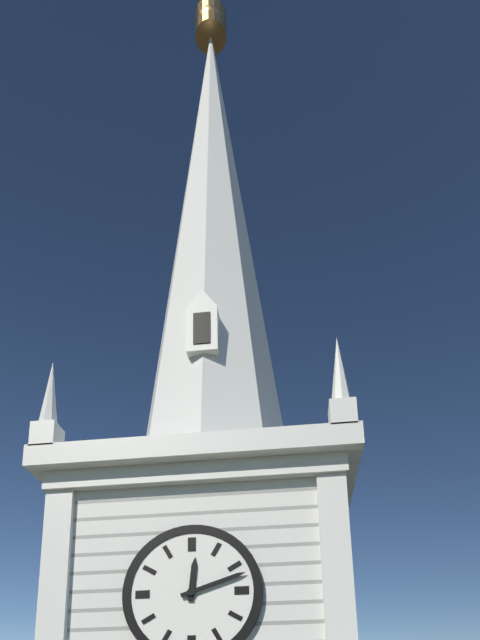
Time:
12h12
